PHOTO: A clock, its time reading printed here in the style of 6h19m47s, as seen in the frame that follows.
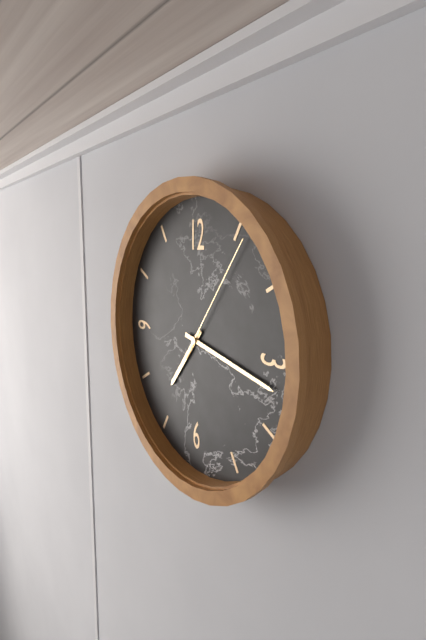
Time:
7h17m06s
